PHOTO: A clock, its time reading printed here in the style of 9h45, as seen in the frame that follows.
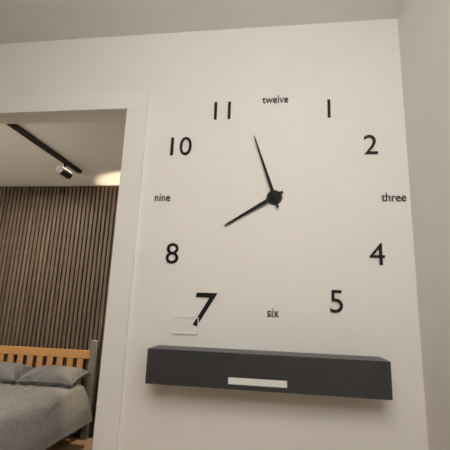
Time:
7h57
